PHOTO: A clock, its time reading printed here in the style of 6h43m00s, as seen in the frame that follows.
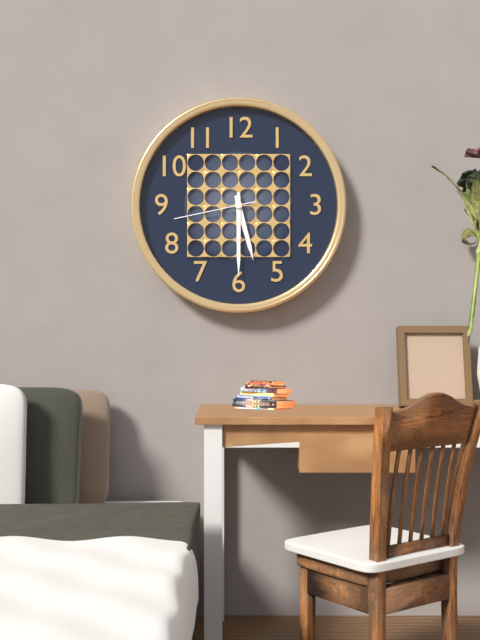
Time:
5h30m43s
